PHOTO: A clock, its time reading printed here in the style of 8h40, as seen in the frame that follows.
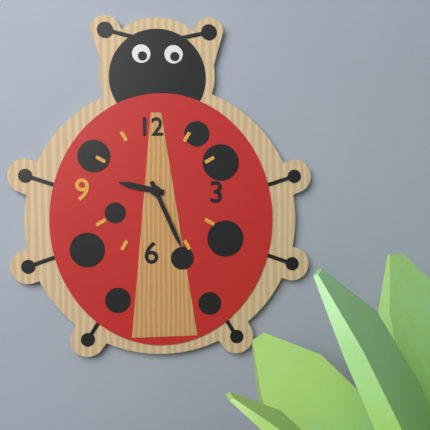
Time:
9h26
